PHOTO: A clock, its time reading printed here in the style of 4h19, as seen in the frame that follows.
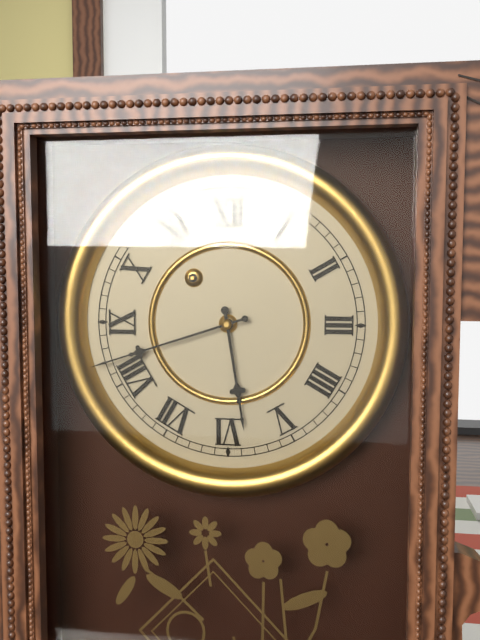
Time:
5h42
